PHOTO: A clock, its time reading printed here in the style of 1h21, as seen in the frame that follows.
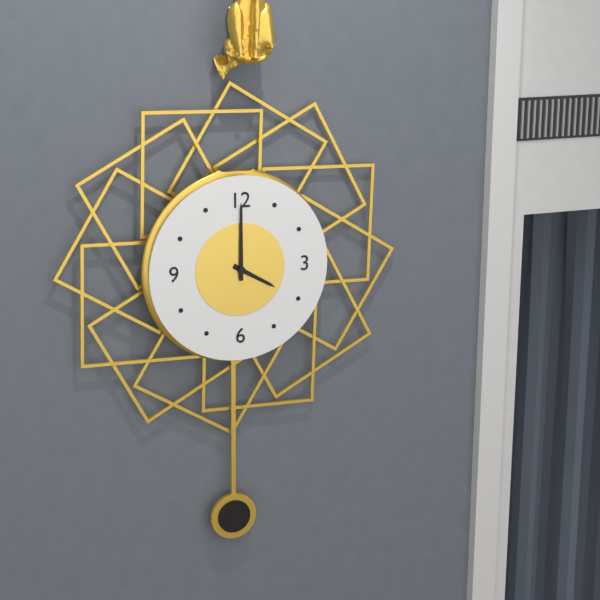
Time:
4h00
